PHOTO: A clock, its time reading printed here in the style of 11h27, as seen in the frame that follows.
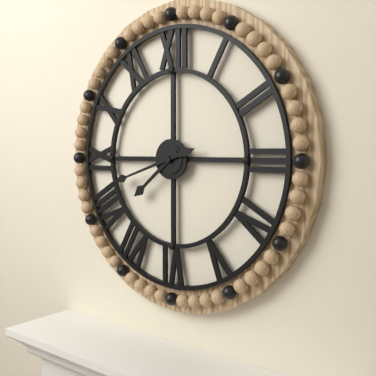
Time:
7h42
